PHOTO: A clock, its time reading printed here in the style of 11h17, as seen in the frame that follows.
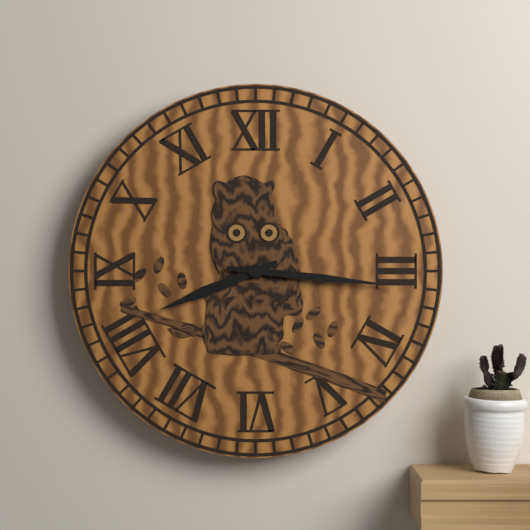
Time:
8h16
